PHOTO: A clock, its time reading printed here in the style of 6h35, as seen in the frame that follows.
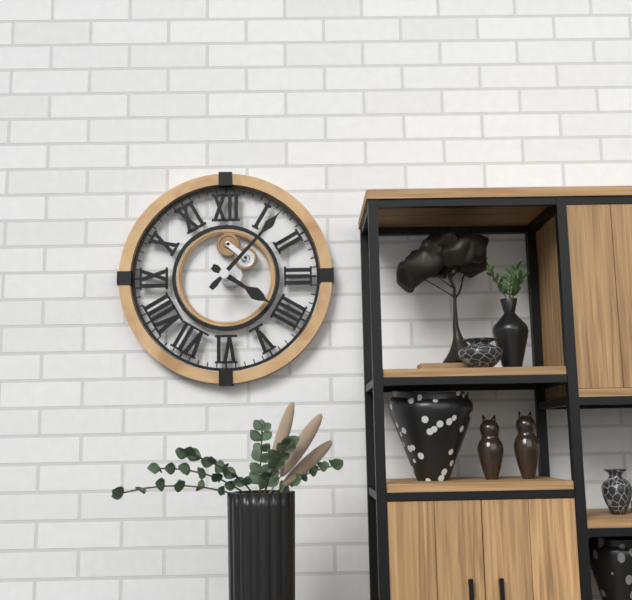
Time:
4h07
